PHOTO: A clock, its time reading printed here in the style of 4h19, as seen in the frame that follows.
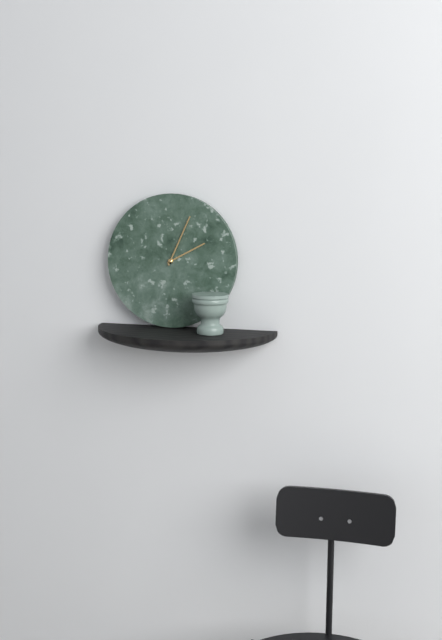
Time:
2h04
